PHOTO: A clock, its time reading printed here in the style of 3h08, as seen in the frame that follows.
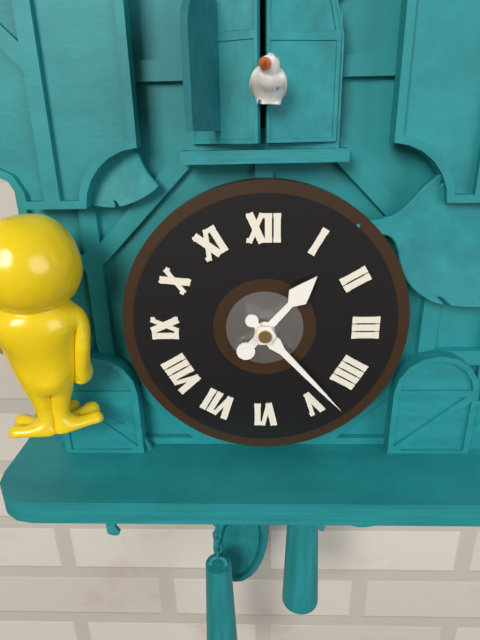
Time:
1h23
